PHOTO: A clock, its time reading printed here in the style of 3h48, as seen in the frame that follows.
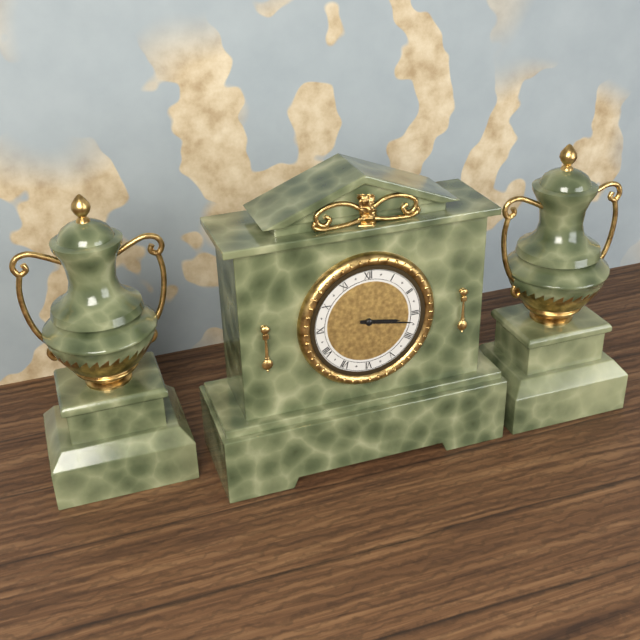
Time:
3h17
